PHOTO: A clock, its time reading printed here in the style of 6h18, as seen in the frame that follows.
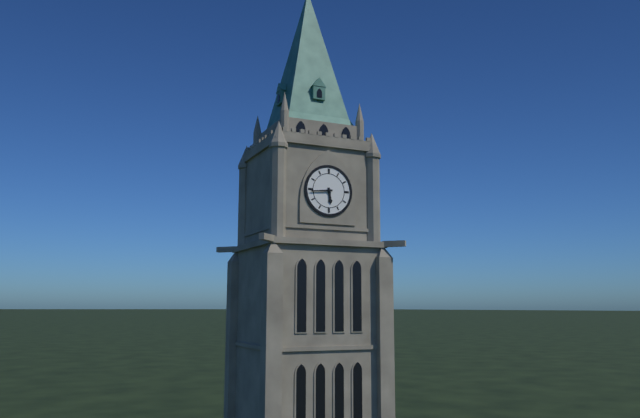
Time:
5h44
